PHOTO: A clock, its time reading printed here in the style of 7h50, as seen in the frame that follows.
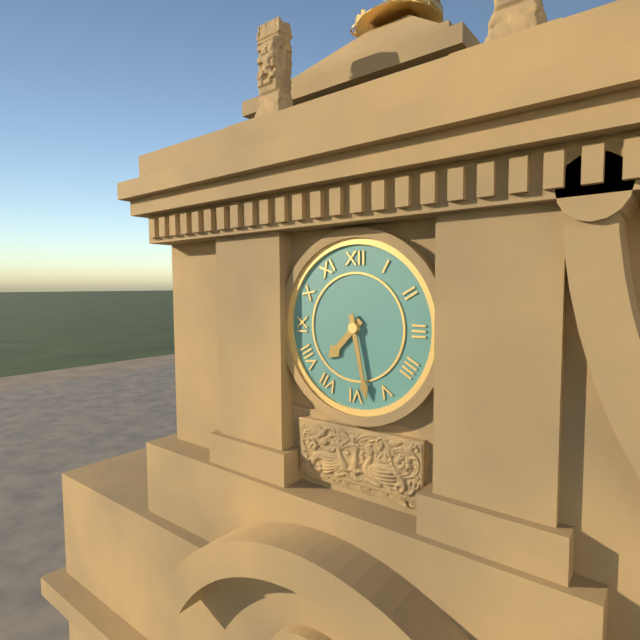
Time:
7h28
